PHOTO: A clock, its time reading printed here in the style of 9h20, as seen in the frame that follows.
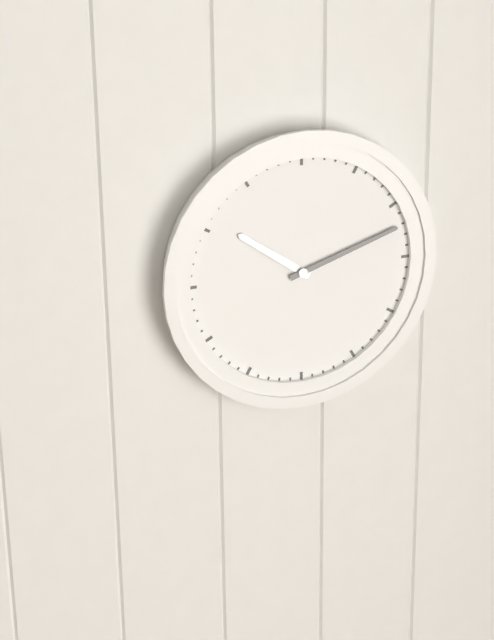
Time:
10h12
